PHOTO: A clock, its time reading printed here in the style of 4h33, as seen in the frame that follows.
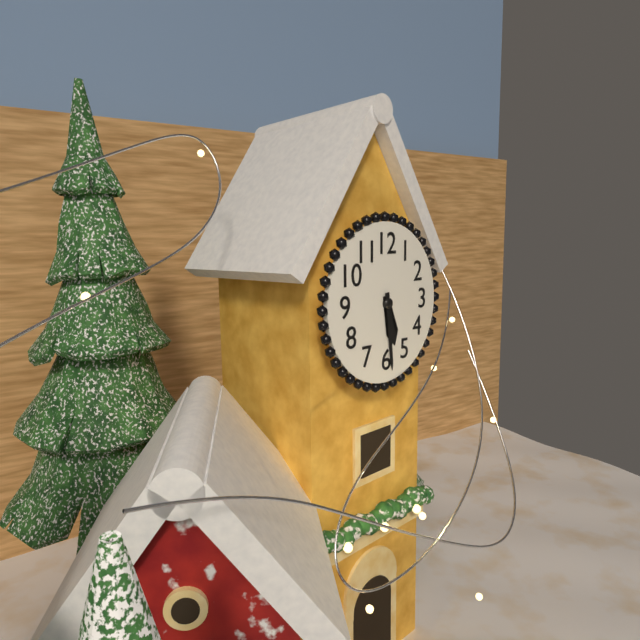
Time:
5h29
